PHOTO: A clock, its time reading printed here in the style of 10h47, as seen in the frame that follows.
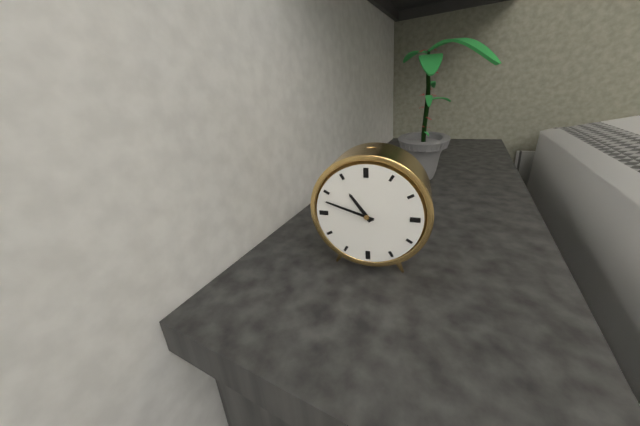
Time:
10h48
